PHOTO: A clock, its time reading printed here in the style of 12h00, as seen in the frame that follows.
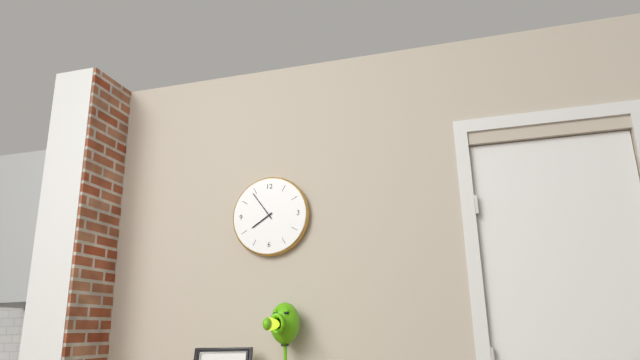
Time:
7h54
